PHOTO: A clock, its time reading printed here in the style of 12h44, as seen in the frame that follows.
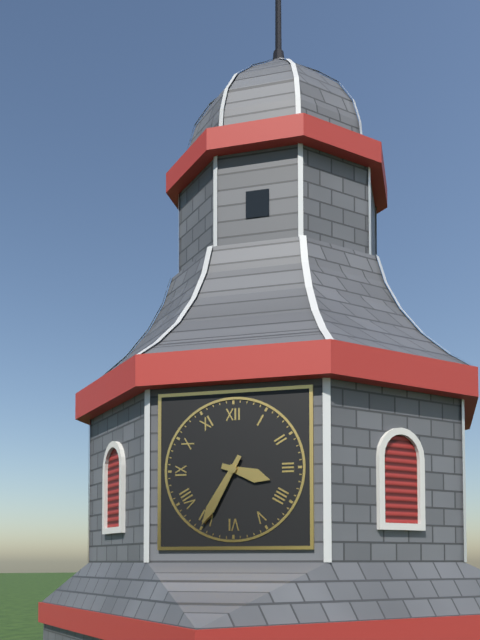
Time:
3h35
